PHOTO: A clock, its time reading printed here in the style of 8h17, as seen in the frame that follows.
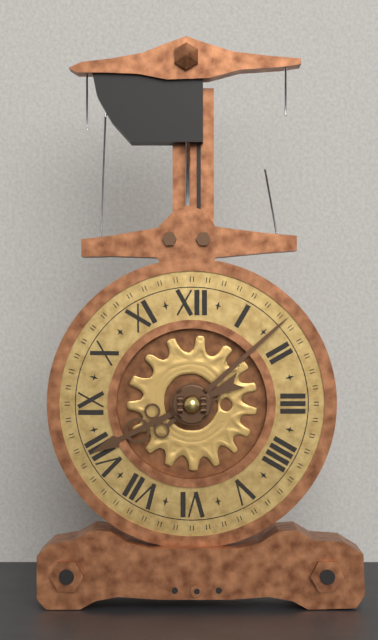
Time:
8h08
